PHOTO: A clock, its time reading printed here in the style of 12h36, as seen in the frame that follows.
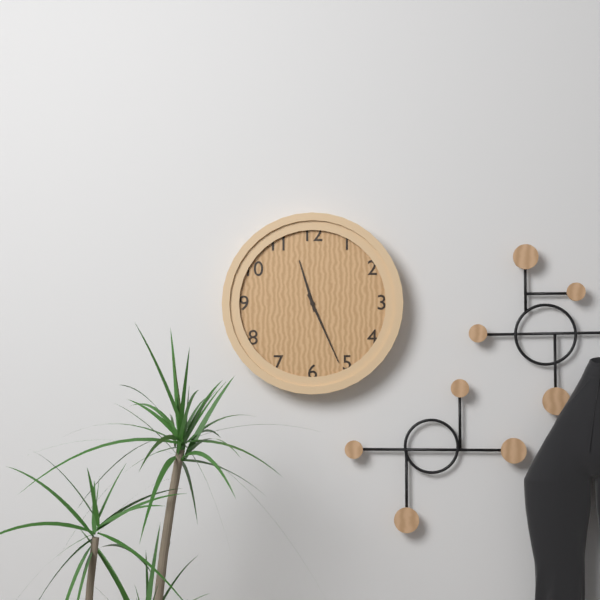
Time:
11h26
